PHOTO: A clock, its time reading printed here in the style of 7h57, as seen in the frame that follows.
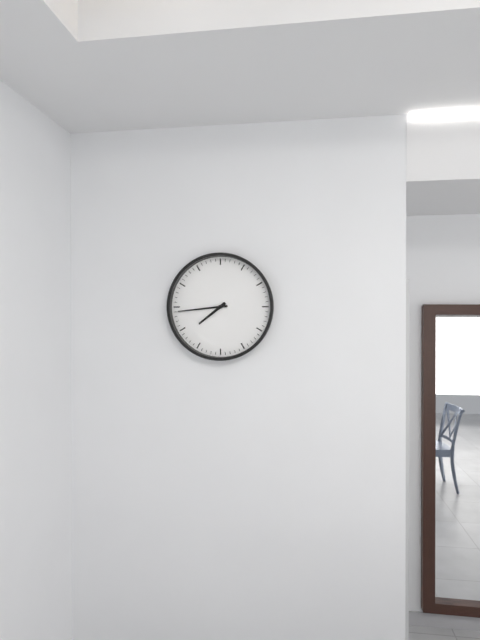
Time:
7h44
